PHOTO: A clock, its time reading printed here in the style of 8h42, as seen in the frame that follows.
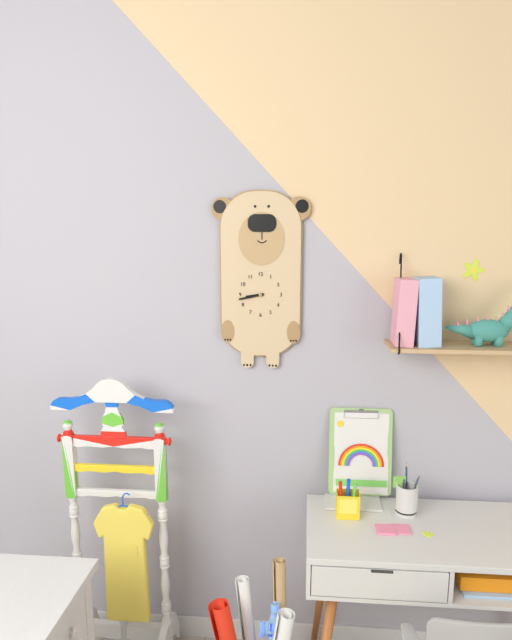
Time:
8h43
